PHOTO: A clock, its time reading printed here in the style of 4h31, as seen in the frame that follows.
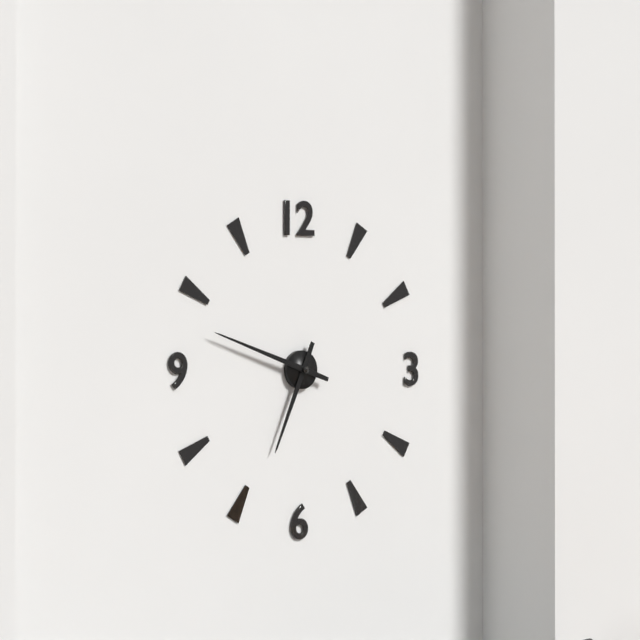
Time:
6h48
